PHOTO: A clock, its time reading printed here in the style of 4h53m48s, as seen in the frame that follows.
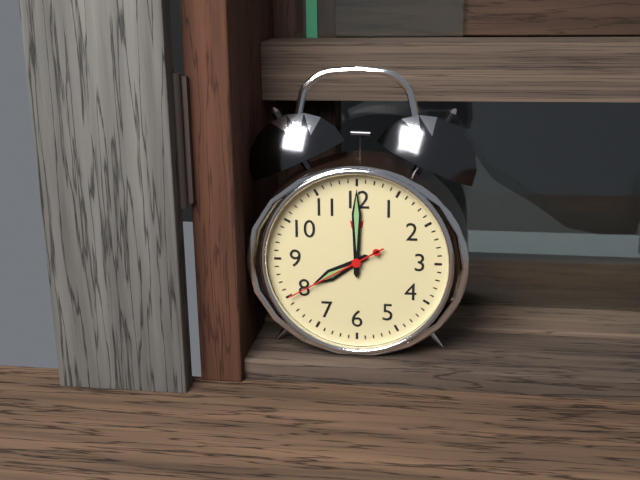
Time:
8h00m40s
